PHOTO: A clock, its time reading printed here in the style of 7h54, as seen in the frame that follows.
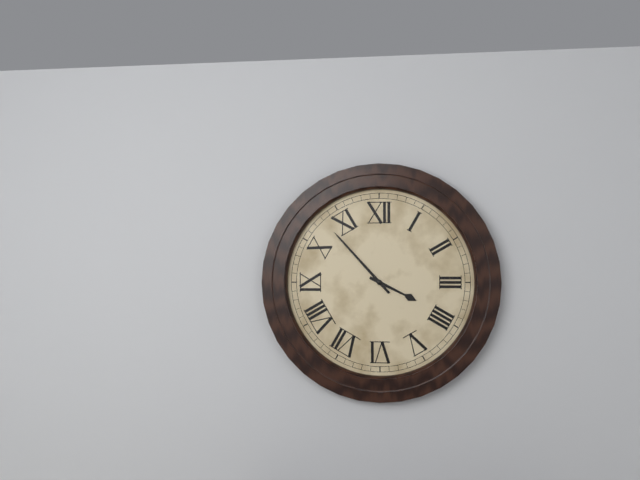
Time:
3h53
